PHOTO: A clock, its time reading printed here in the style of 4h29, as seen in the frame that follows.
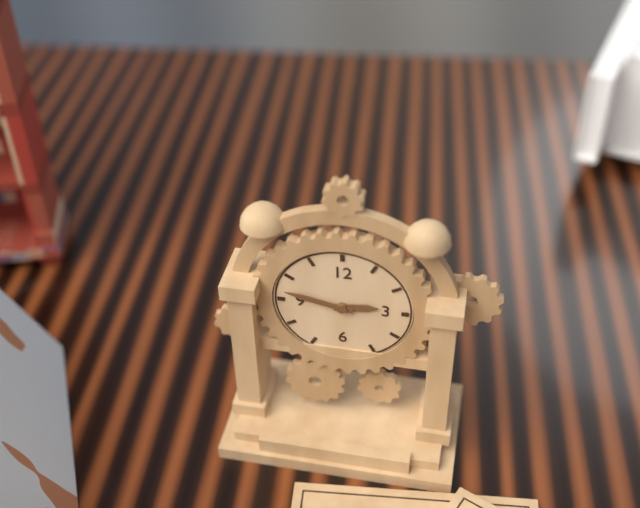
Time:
2h47
